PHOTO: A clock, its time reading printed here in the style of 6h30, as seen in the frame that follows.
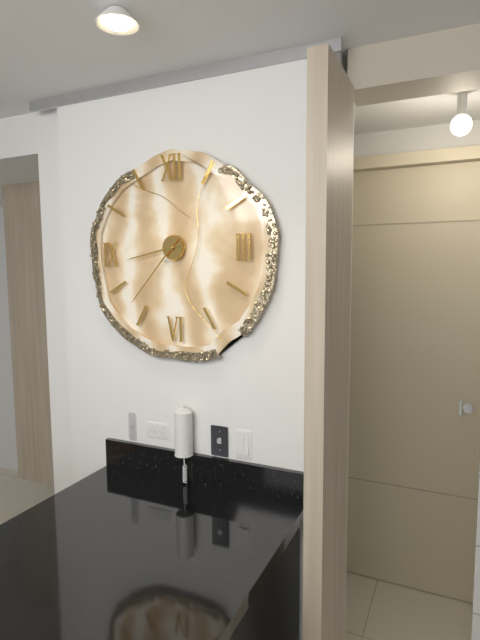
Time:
8h37
